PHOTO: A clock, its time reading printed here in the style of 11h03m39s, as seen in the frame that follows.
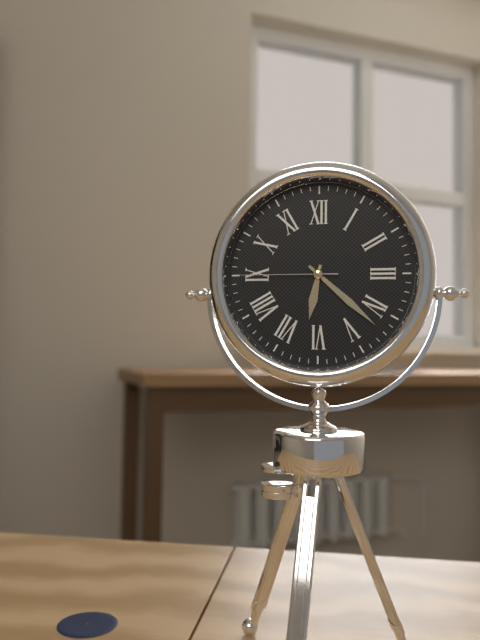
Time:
6h22m45s
